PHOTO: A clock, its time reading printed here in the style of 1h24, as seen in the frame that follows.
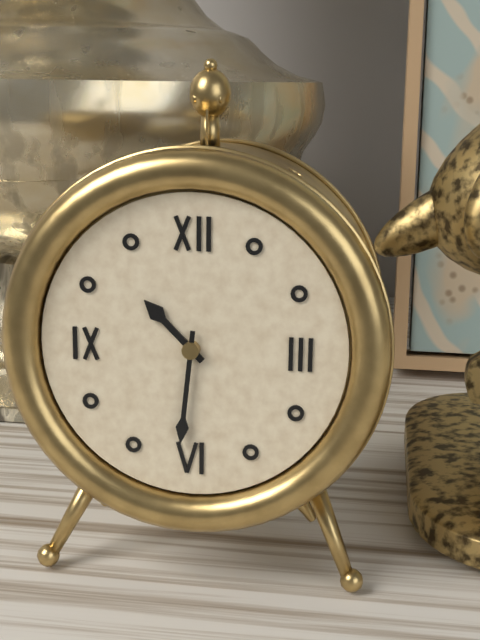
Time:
10h31
